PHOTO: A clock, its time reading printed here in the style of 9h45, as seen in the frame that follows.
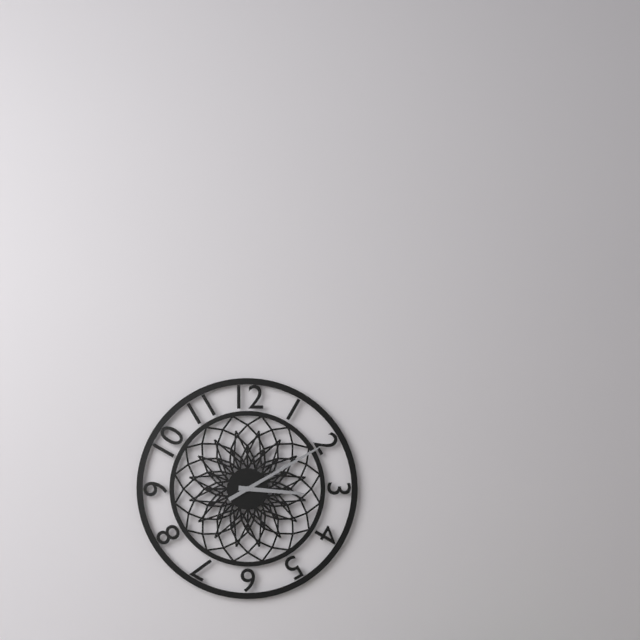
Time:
3h10
